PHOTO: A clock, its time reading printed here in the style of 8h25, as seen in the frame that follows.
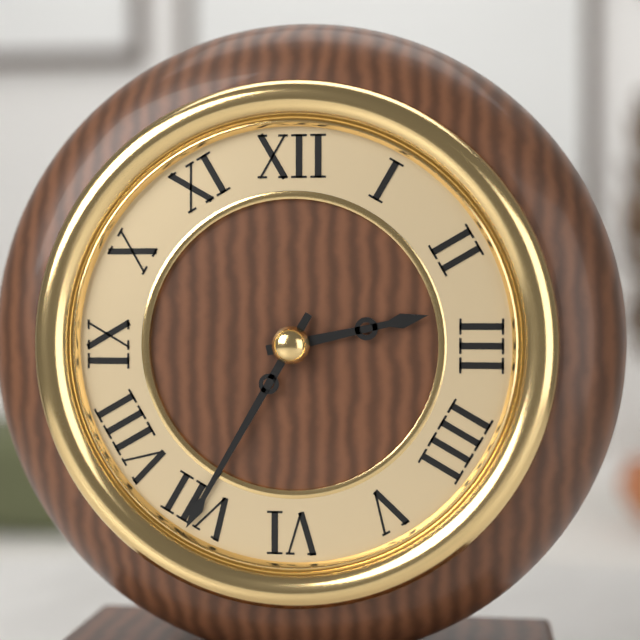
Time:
2h35
